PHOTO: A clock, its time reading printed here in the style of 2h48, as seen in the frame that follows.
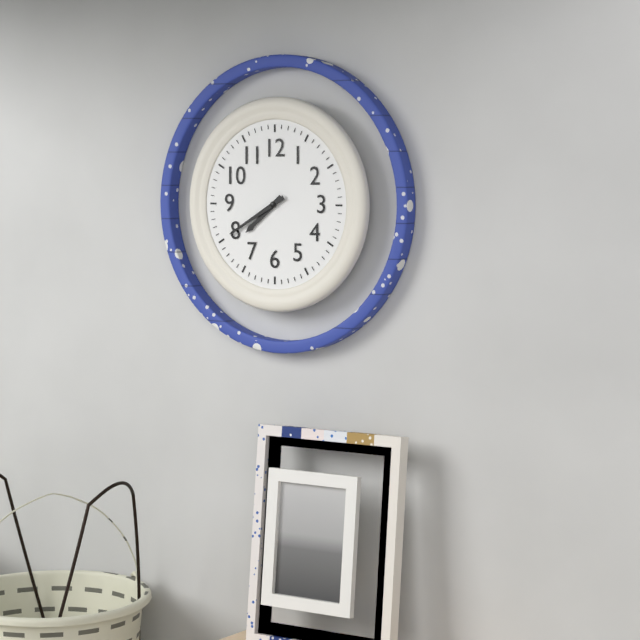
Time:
7h40
